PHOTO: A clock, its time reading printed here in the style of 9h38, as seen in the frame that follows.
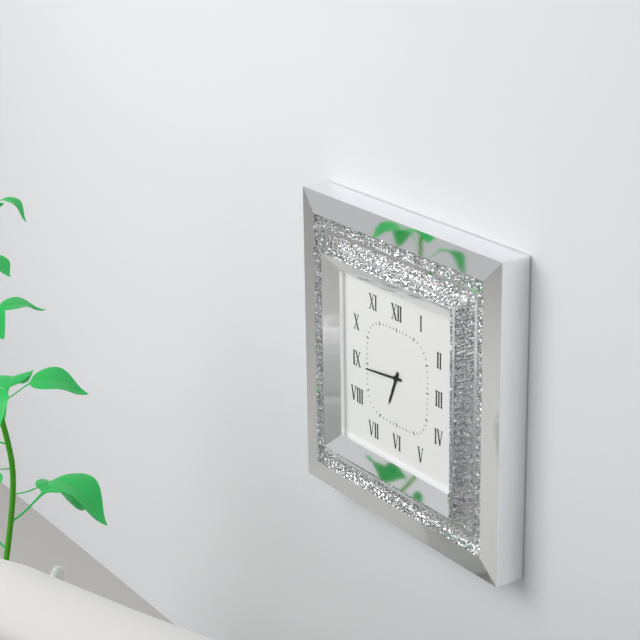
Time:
6h44
